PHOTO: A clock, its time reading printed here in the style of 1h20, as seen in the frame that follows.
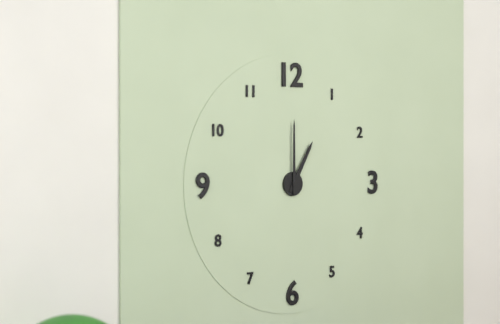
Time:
1h00
